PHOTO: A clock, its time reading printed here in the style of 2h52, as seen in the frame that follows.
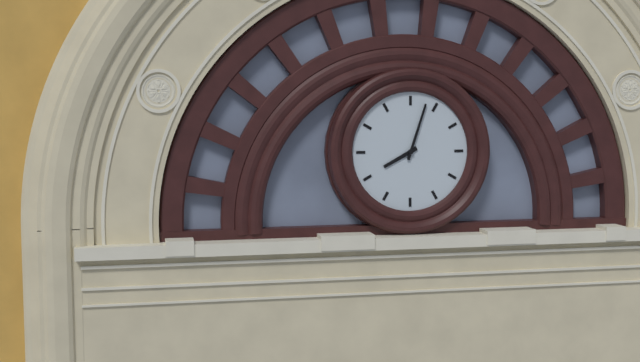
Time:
8h03
